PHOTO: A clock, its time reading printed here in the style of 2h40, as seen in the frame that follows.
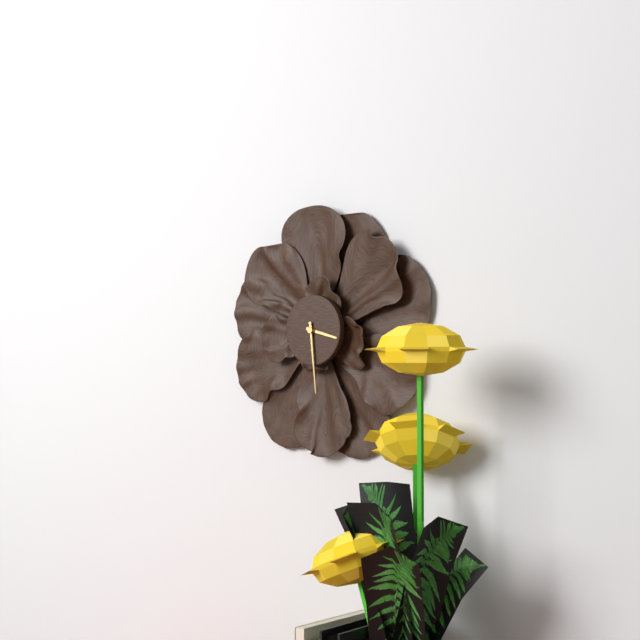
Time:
3h29
